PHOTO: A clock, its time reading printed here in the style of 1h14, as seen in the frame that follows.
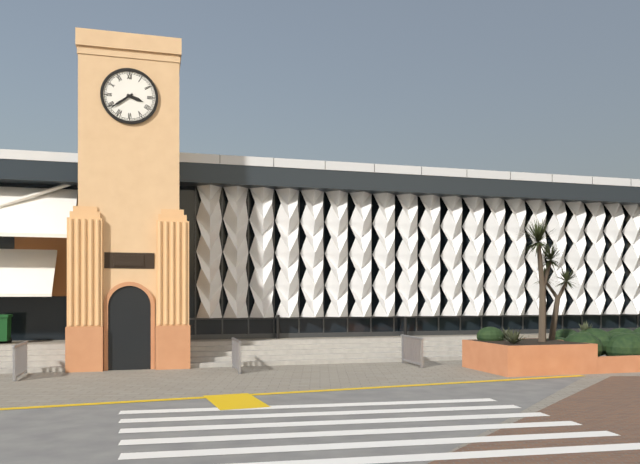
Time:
3h39
